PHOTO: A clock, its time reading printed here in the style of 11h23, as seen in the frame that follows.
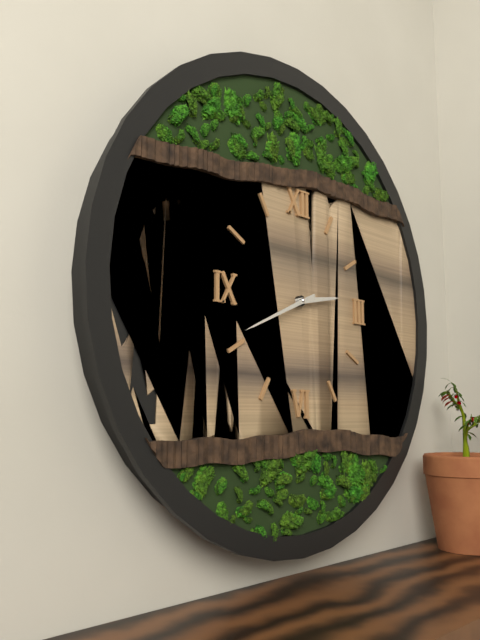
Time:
2h41
